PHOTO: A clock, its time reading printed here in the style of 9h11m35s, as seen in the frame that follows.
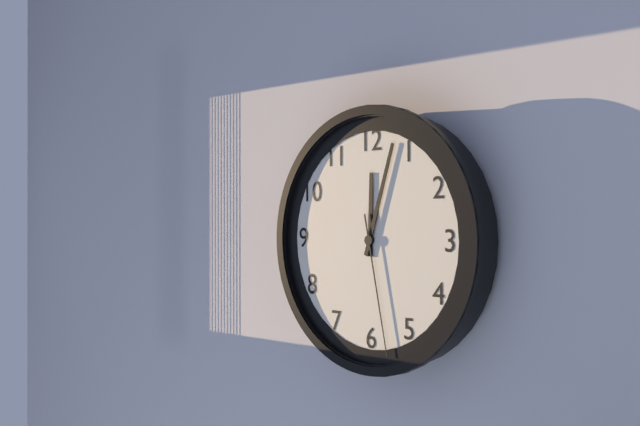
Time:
12h03m28s
